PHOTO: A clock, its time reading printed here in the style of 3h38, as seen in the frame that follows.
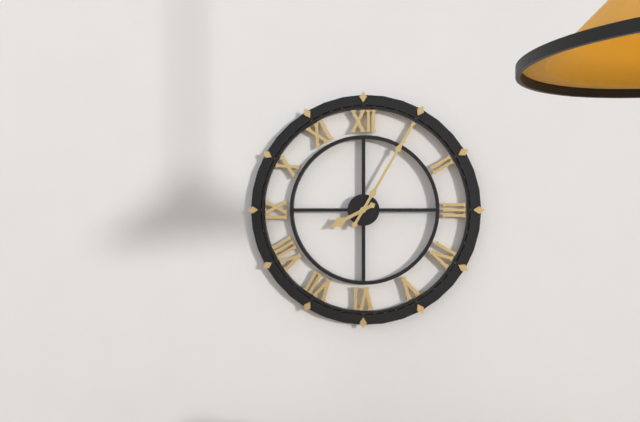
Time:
8h05
